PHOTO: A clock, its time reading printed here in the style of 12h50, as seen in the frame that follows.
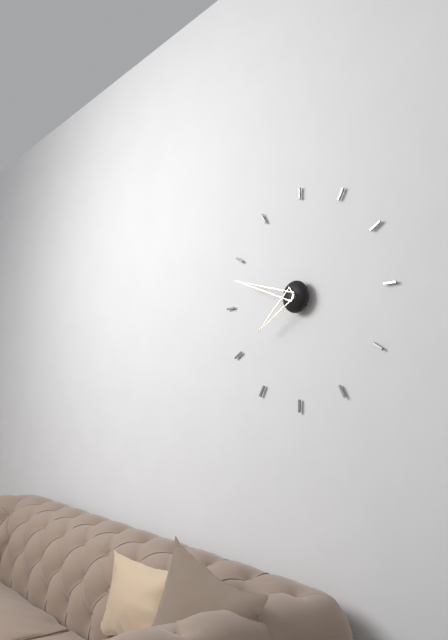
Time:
7h48
